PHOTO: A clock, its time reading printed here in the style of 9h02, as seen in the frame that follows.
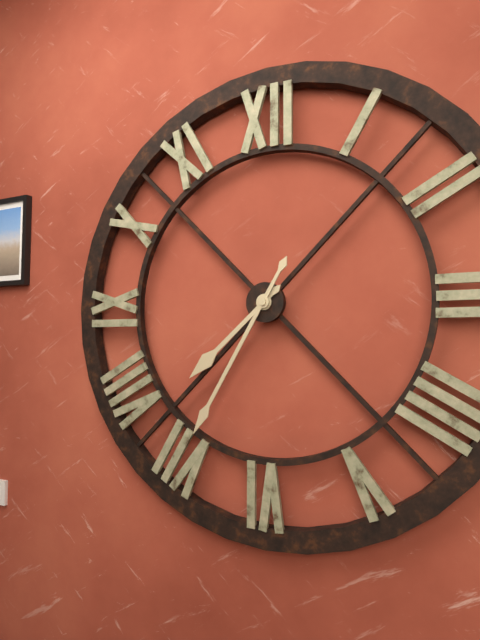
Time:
7h35
